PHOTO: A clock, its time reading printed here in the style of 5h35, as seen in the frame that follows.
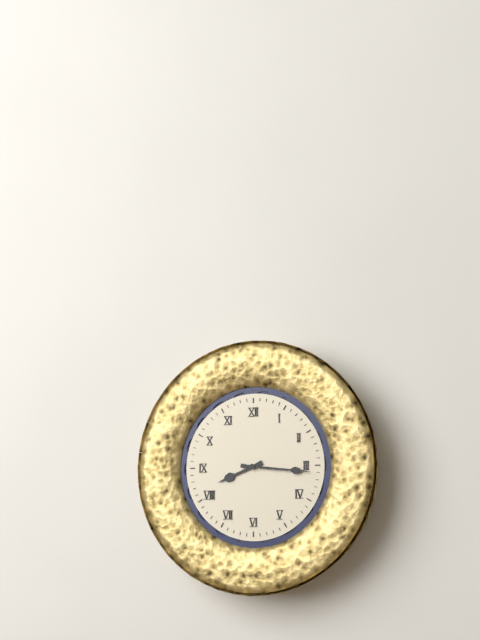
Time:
8h16
